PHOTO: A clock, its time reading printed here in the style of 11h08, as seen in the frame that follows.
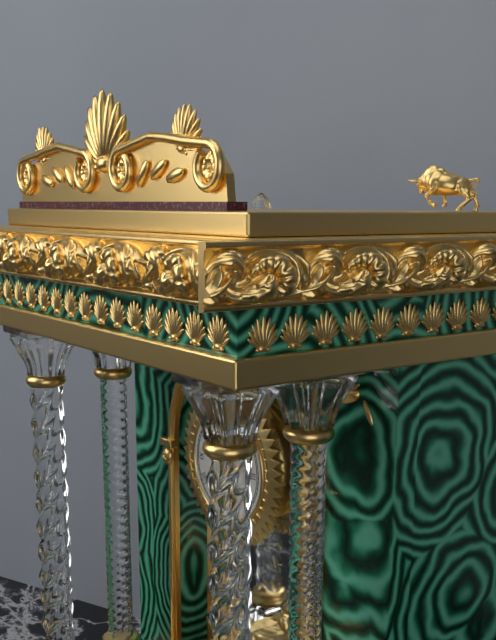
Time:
5h00
